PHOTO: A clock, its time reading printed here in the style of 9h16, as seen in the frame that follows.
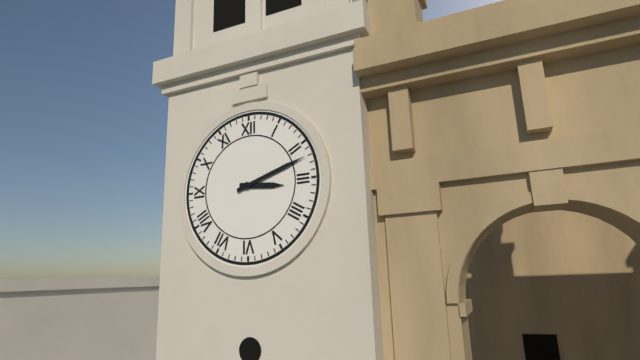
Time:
3h12
